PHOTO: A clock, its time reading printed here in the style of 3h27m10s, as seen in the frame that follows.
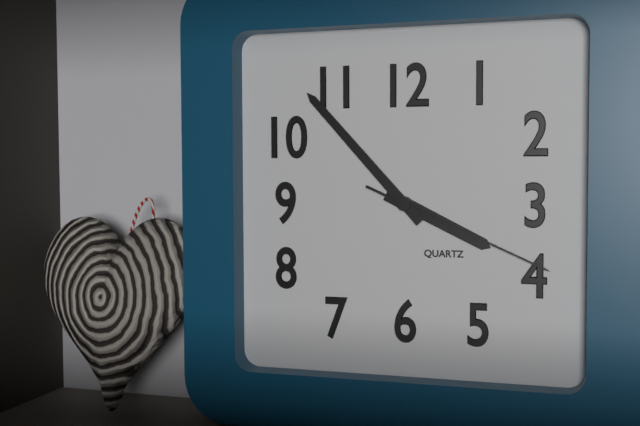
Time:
3h53m19s
